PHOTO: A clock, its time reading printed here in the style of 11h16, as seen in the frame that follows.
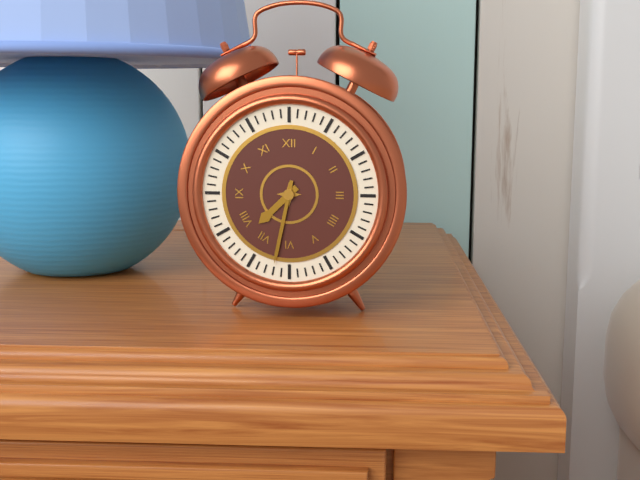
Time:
7h32
